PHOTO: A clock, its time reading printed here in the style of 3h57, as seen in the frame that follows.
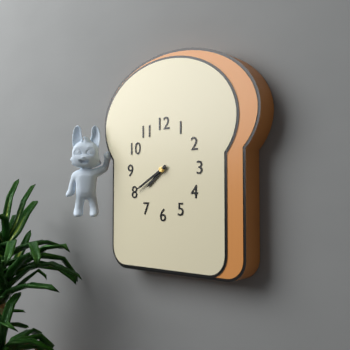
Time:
7h40
